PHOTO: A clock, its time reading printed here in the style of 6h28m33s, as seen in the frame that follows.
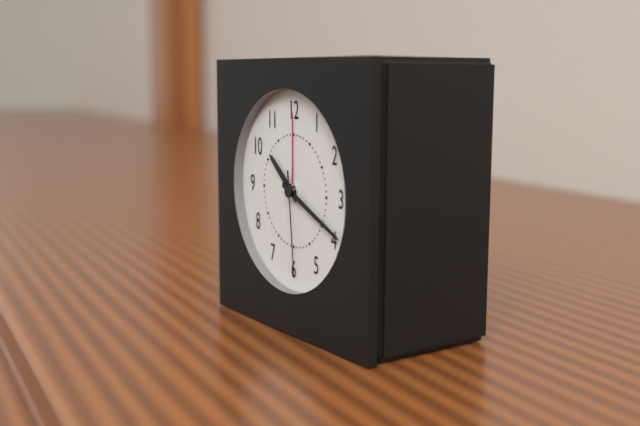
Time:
10h19m29s
